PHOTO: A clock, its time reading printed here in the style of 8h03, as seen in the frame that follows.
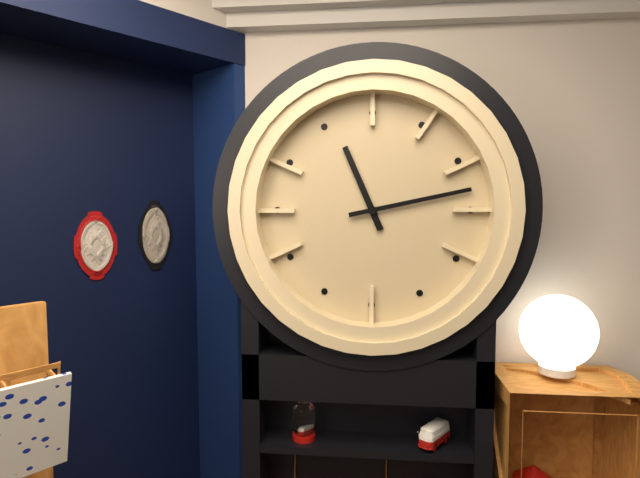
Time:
11h13
